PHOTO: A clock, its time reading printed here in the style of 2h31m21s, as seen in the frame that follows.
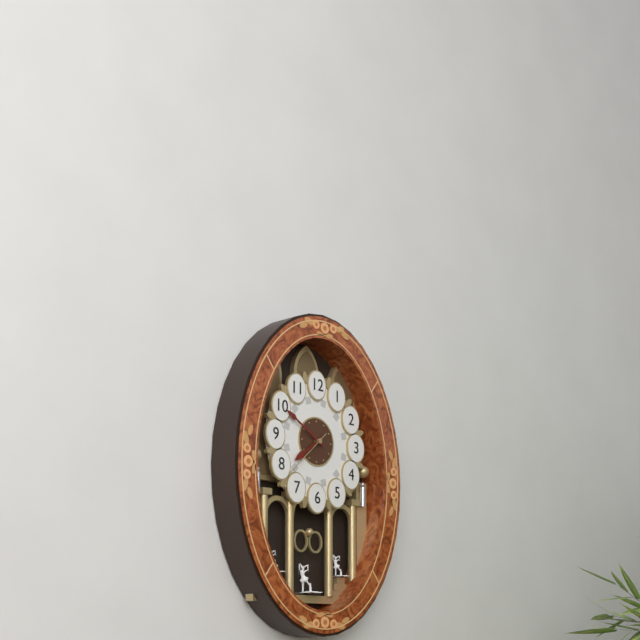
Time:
7h50m38s
